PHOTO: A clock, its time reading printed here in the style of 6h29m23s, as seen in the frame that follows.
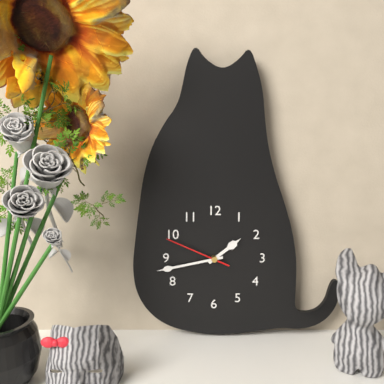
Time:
1h43m49s
